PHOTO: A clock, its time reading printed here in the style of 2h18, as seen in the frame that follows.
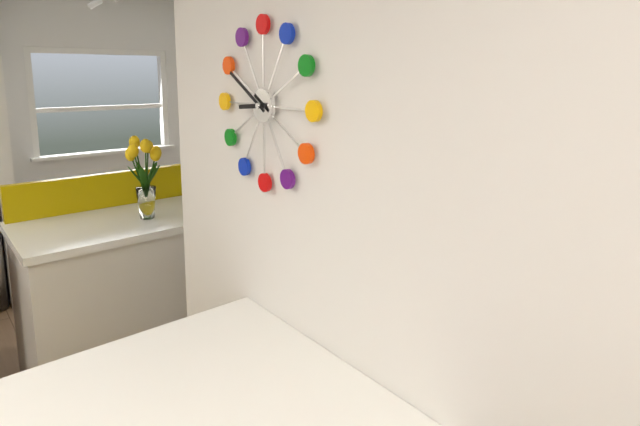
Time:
8h50
